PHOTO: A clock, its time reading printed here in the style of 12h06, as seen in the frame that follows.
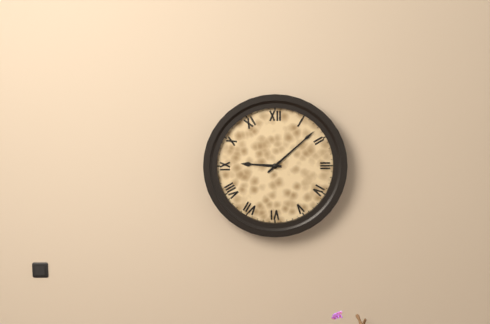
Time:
9h08
